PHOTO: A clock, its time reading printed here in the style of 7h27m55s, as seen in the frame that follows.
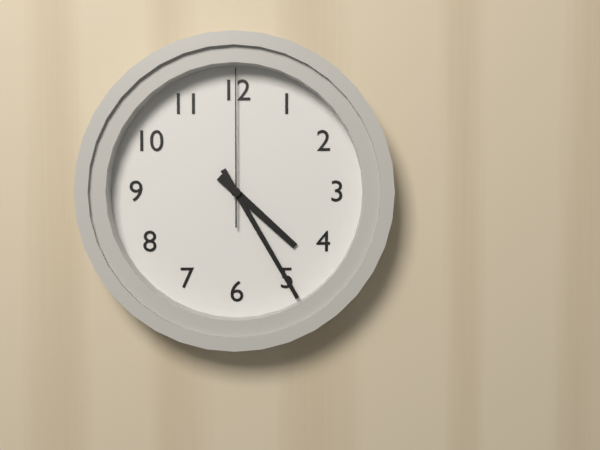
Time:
4h25m00s
